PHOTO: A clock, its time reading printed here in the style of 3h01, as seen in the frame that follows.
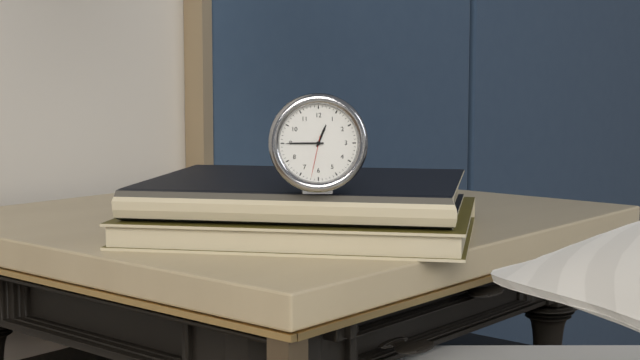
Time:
12h45
